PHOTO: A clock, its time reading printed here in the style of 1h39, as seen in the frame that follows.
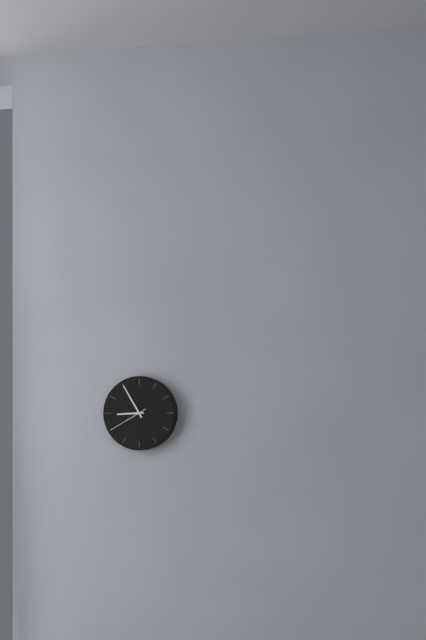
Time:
8h55
